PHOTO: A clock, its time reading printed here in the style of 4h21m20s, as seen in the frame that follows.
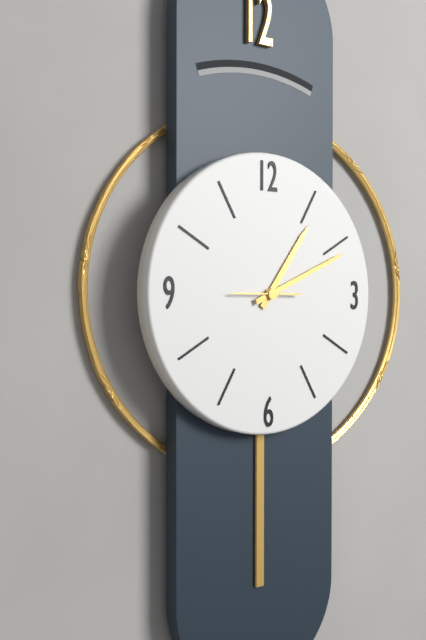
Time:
1h11m45s
